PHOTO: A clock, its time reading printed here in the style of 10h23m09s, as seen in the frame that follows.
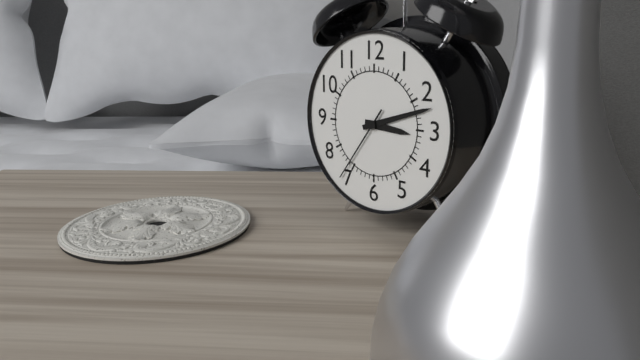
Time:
3h12m36s
